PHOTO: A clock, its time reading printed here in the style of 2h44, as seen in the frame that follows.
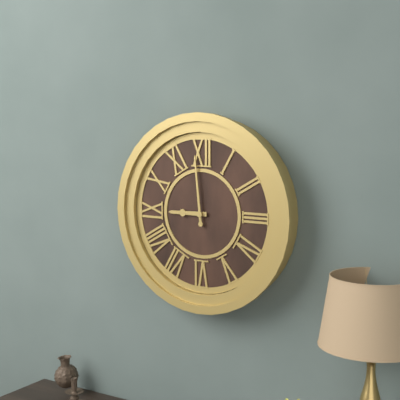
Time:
8h59
